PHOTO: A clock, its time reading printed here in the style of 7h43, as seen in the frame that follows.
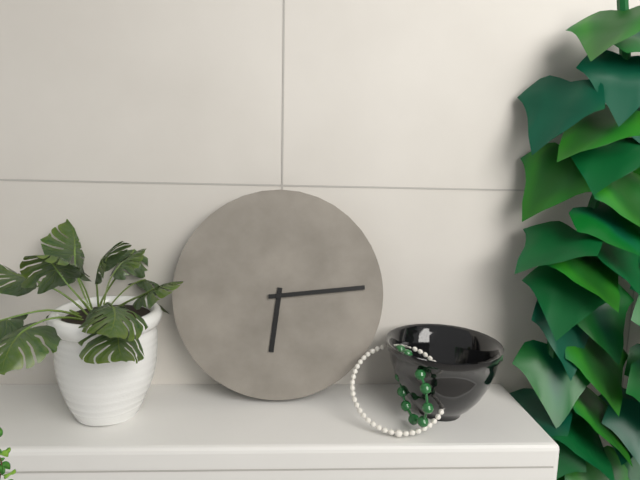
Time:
6h14
